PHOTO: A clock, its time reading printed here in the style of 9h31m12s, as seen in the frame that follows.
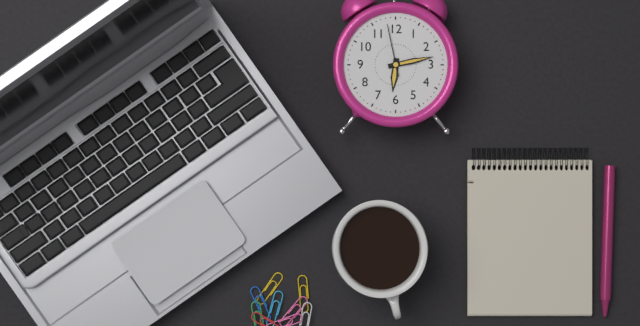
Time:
6h13m58s
